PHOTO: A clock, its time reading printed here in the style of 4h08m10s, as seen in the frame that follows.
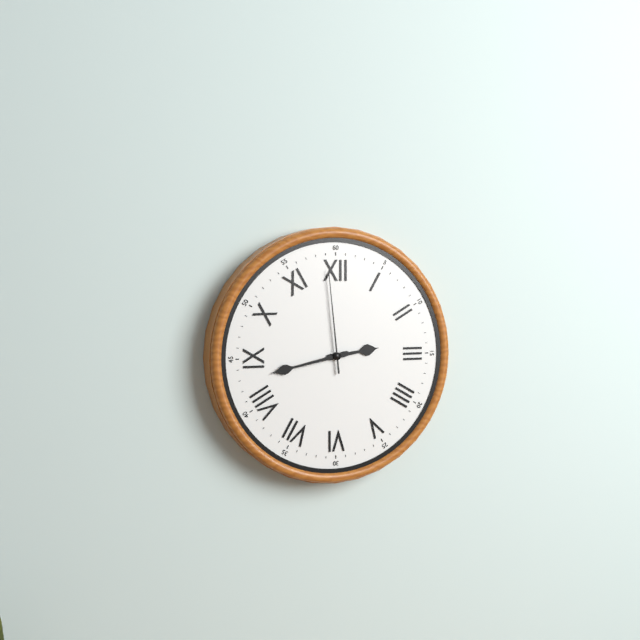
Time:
2h43m59s
